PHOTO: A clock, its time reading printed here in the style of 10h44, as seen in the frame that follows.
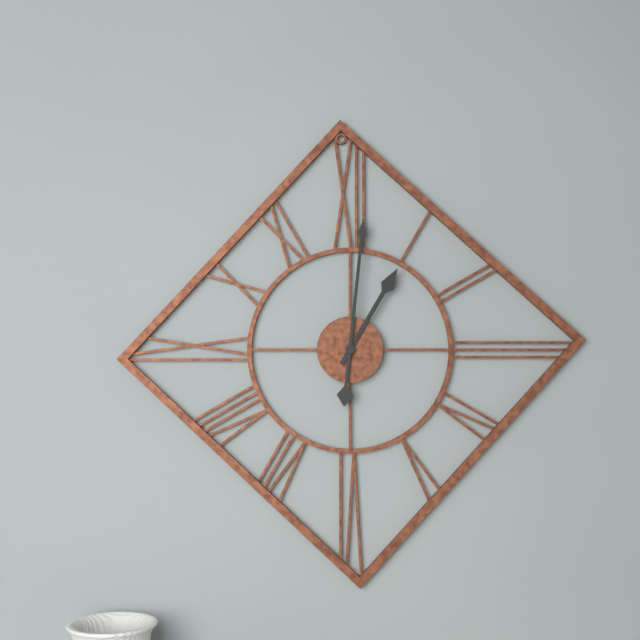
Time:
1h01
